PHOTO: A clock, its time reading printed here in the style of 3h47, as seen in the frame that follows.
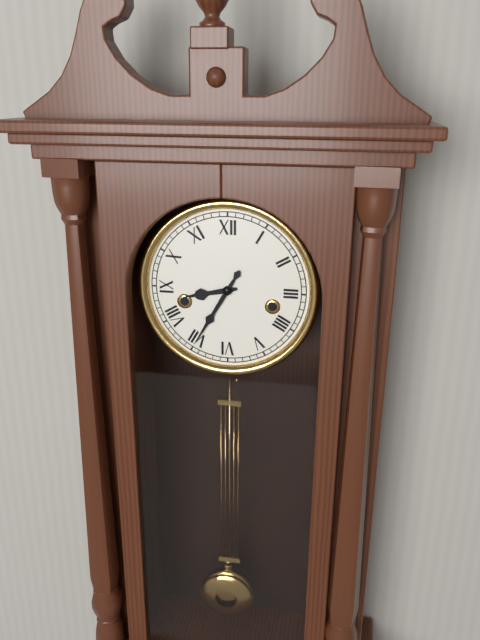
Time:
8h35
